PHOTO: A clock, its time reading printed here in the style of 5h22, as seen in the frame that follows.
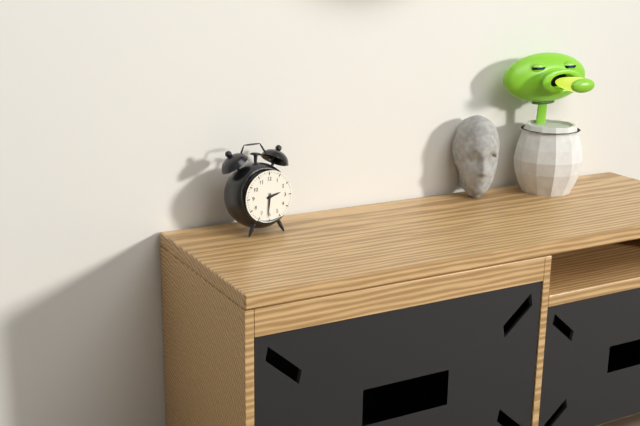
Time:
2h31
